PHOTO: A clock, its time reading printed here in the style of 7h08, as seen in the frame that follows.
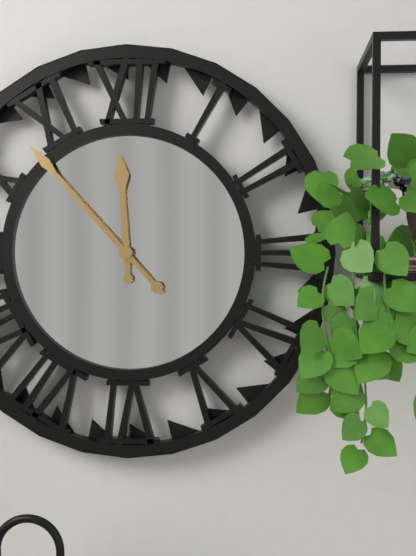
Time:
11h53
